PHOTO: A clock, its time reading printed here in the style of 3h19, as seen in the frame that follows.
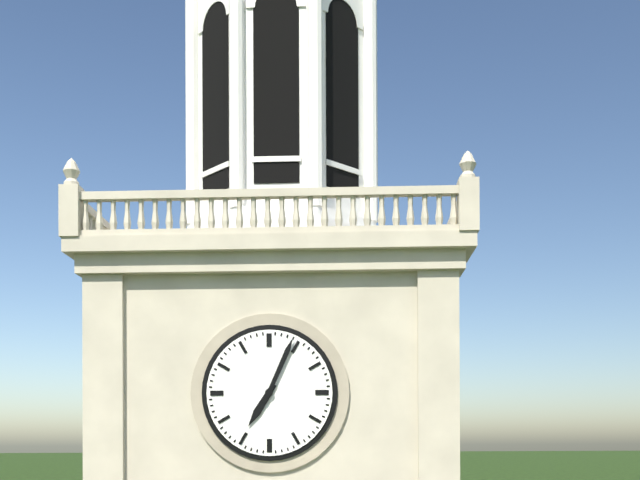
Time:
7h04
